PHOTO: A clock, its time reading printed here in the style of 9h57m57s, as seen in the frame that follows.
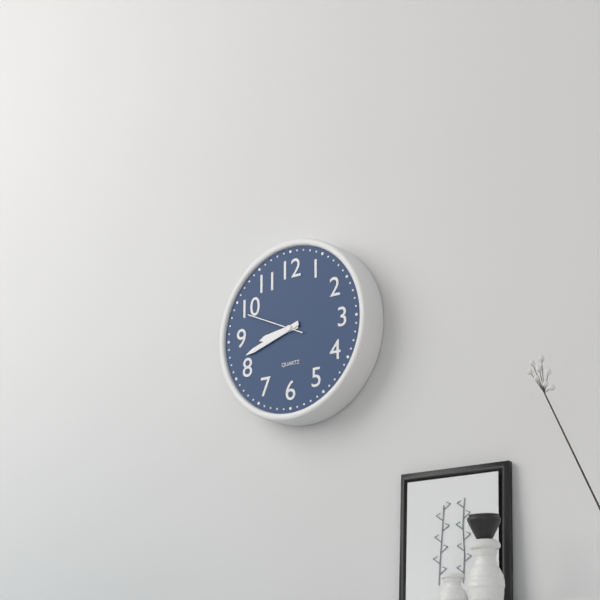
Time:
8h42m49s
